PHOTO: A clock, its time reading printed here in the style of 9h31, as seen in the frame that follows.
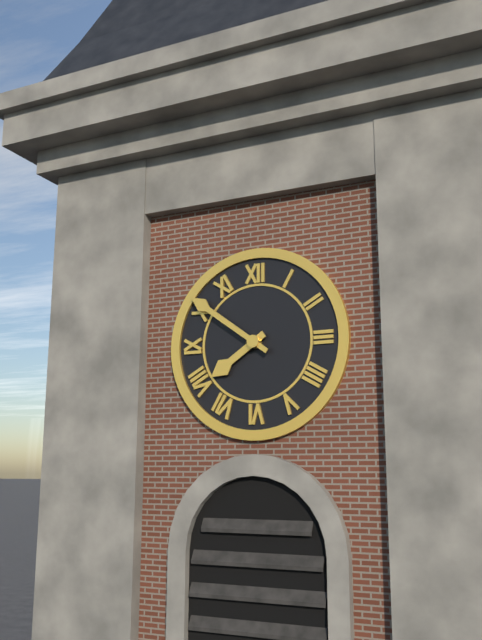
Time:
7h51
